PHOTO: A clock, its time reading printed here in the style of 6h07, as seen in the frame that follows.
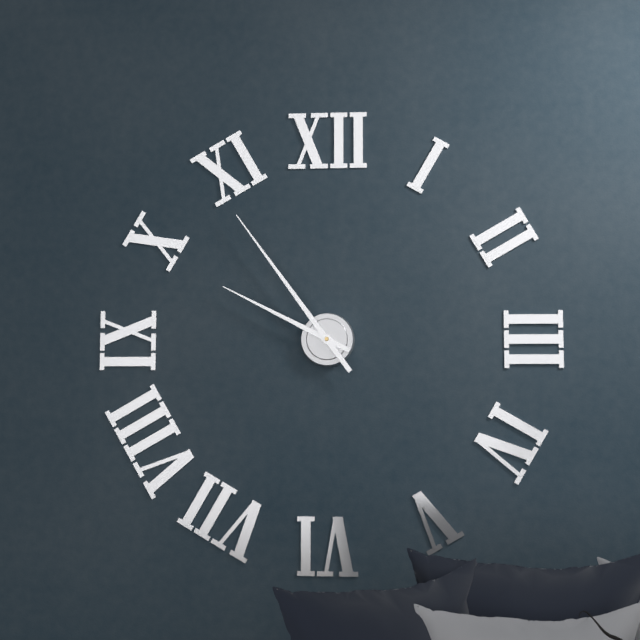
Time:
9h54
